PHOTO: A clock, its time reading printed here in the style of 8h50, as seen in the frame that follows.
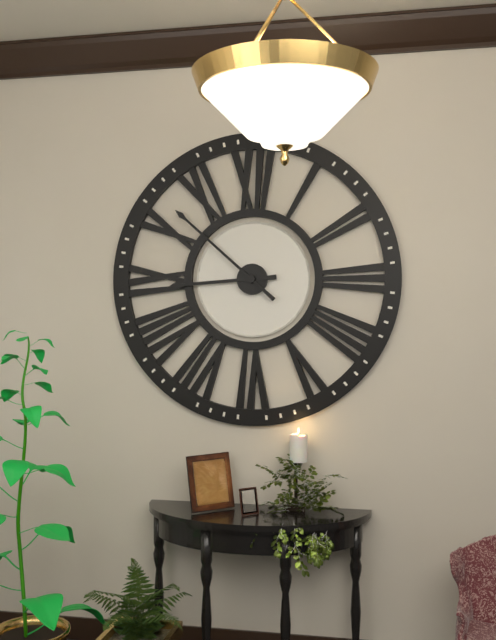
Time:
8h52
